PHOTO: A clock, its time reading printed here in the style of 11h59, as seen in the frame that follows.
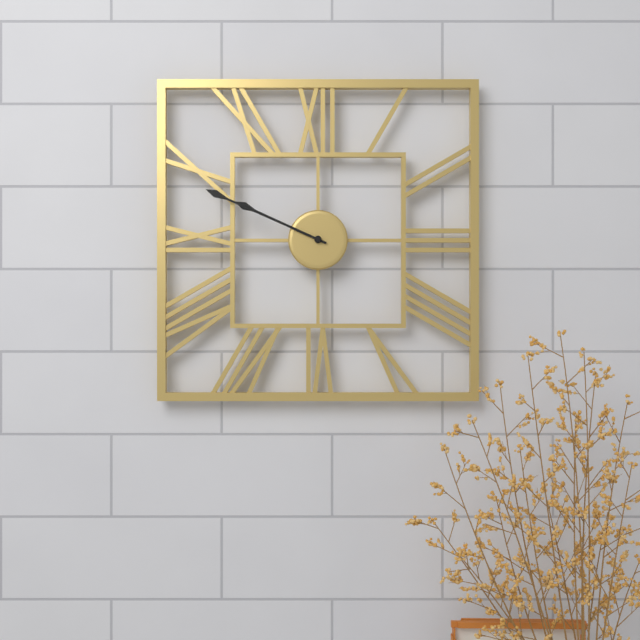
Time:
9h49
